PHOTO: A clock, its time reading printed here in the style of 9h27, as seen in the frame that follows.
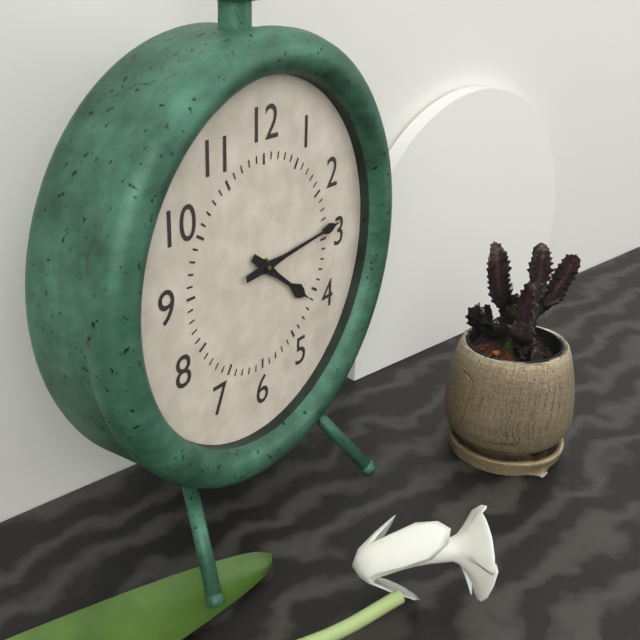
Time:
4h14
